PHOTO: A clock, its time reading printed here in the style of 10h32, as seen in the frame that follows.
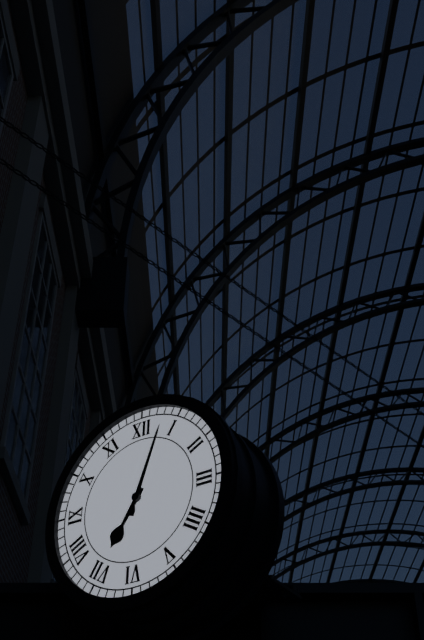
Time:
7h03
